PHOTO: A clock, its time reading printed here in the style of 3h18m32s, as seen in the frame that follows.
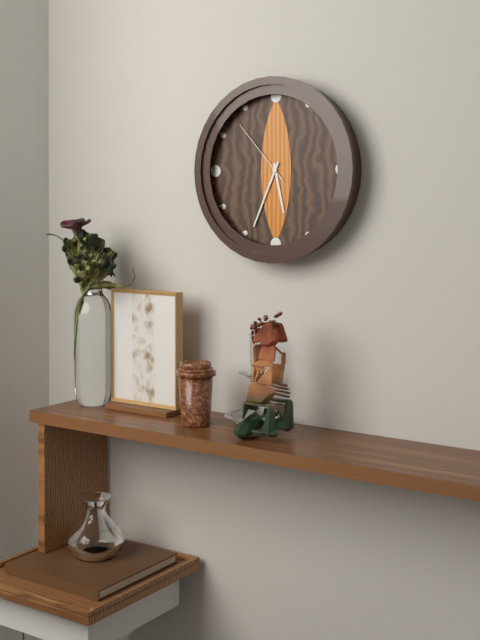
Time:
5h34m53s
